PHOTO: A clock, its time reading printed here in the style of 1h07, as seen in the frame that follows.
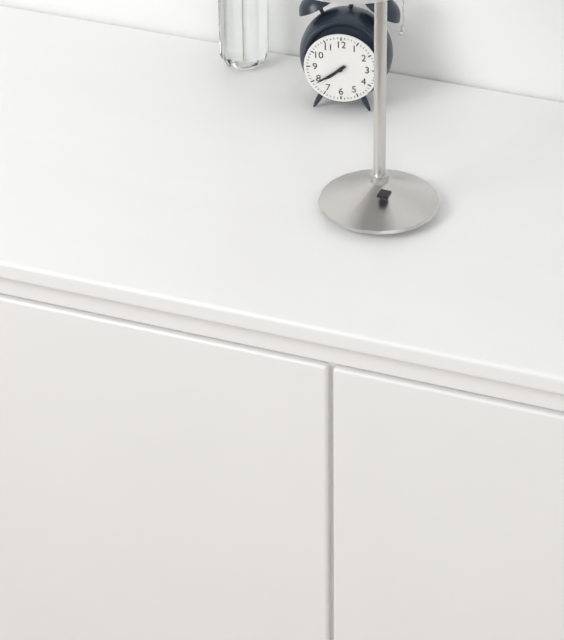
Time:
7h39
